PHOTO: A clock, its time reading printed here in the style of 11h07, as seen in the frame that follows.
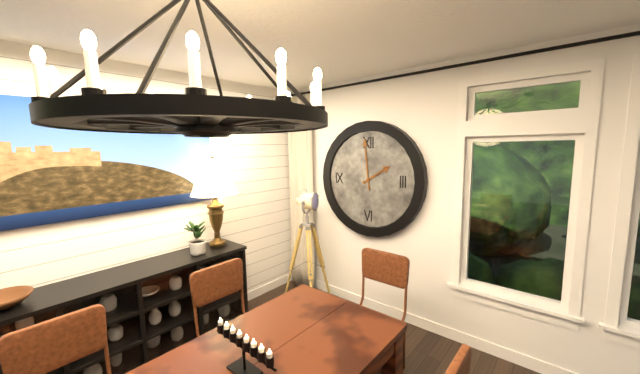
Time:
1h59
